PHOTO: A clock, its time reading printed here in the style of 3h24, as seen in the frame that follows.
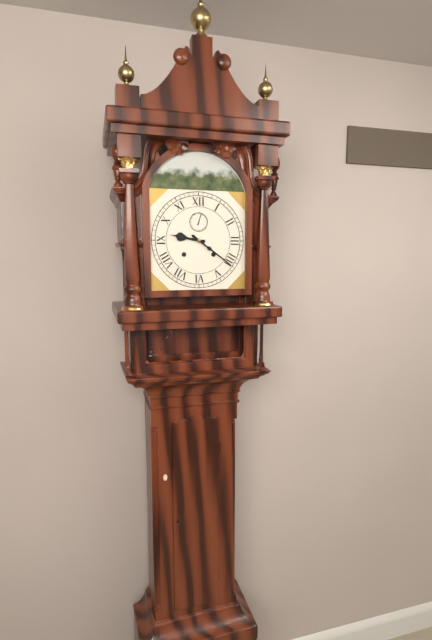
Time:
9h21
